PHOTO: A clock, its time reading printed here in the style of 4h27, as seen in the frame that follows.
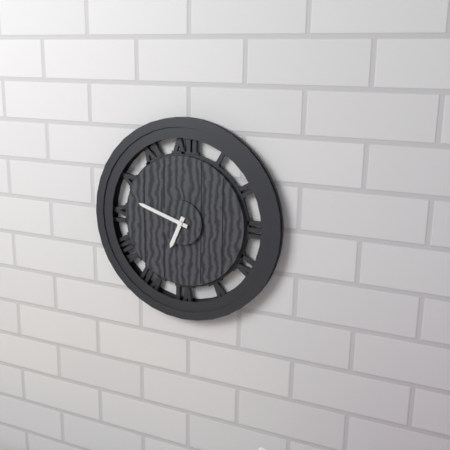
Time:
6h48
